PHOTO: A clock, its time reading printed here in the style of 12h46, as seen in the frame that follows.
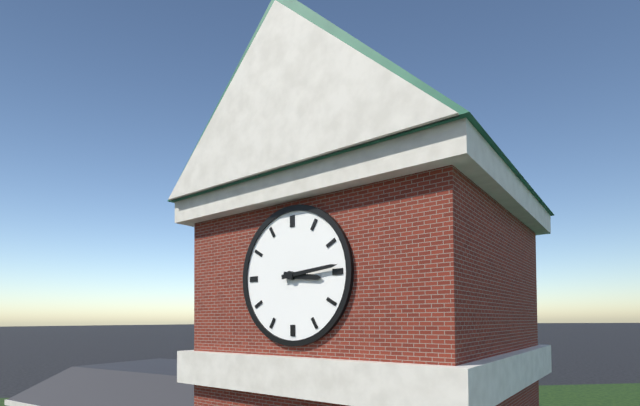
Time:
3h14
